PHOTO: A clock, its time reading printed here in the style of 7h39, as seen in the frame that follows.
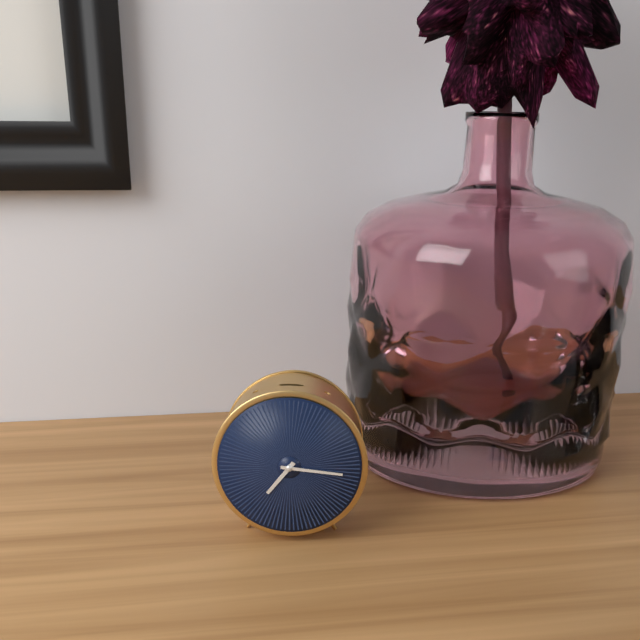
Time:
7h16
